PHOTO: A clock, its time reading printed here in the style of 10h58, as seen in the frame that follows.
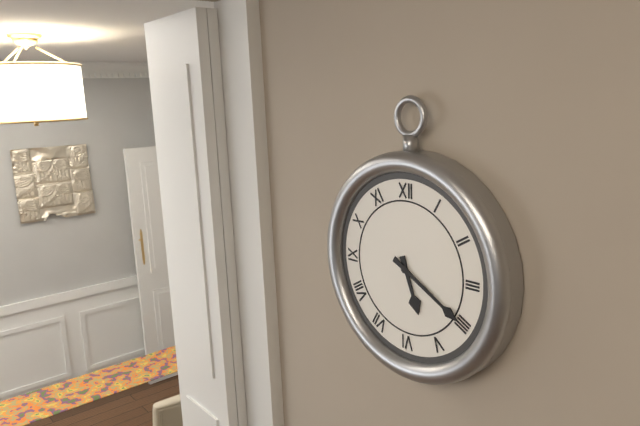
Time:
5h20
